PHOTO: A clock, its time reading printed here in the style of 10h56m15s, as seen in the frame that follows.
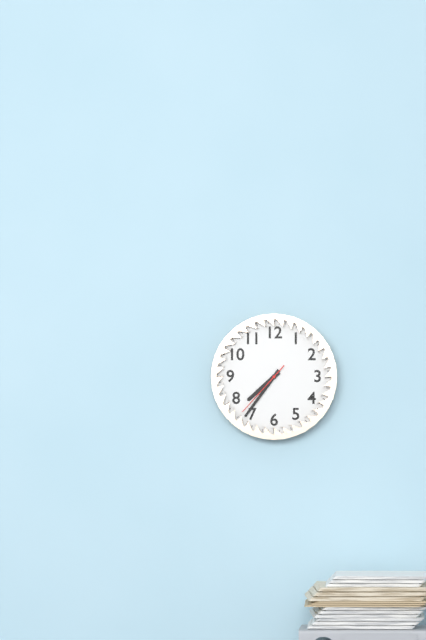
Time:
7h36m37s
